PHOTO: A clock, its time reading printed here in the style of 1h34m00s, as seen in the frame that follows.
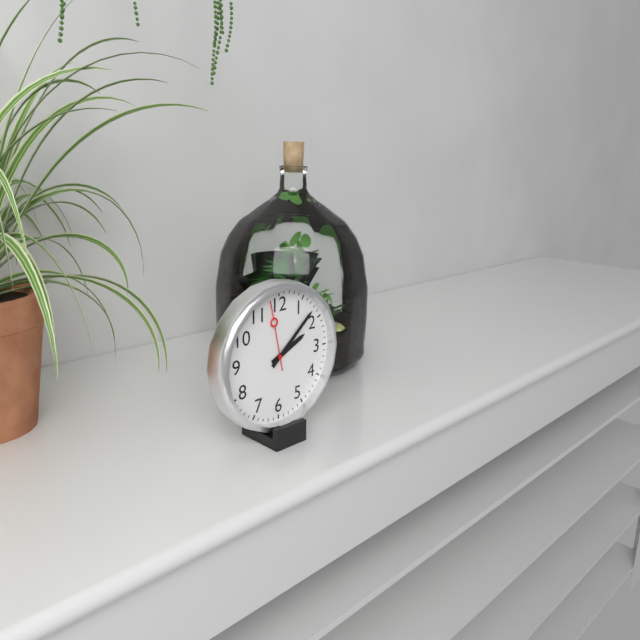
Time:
2h08m58s
